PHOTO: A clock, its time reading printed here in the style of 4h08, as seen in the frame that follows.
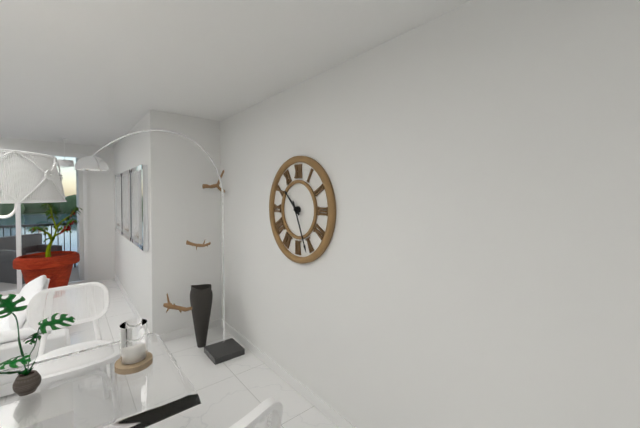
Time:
10h26
